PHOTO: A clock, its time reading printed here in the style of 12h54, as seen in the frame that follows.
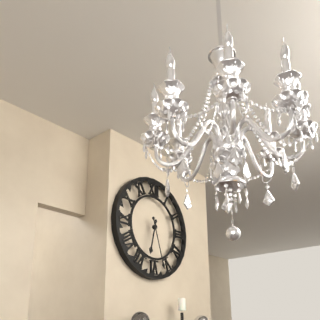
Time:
6h27
